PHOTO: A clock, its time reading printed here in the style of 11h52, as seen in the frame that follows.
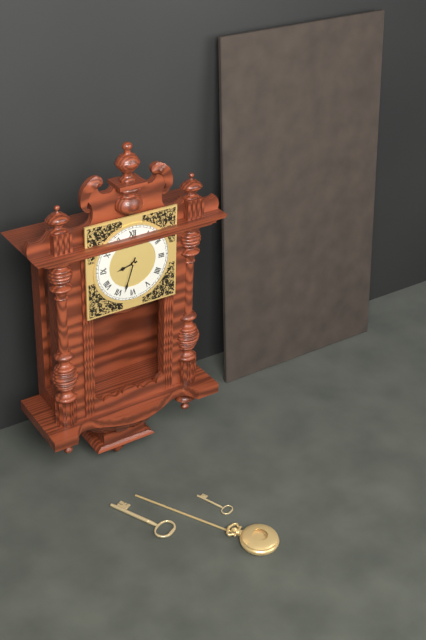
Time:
8h33
